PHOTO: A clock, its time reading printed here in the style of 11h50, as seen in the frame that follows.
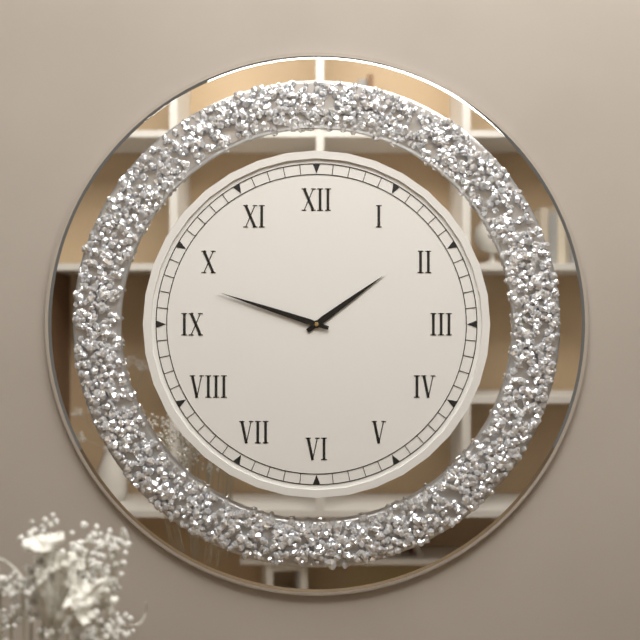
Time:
1h48
